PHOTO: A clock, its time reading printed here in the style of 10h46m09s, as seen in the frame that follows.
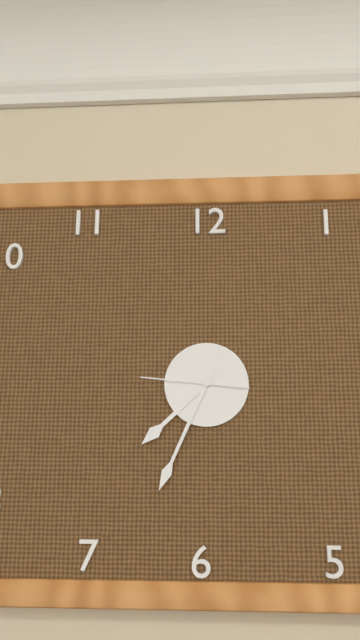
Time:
7h34m46s
